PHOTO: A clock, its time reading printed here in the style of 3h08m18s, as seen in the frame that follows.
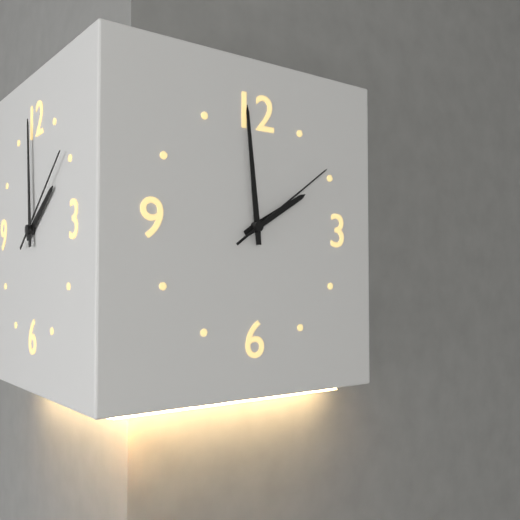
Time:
1h59m09s
